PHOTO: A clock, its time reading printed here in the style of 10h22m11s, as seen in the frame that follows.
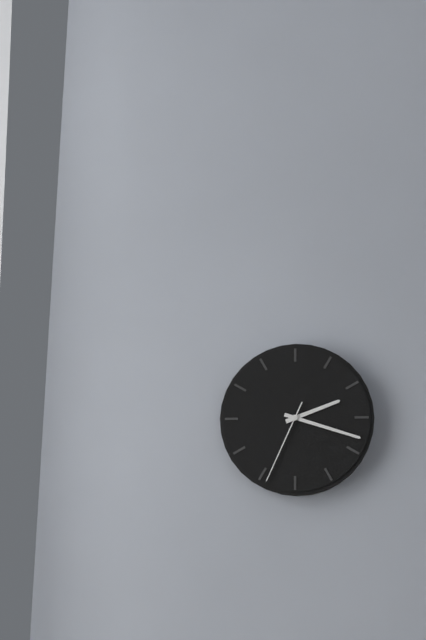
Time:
2h18m34s
